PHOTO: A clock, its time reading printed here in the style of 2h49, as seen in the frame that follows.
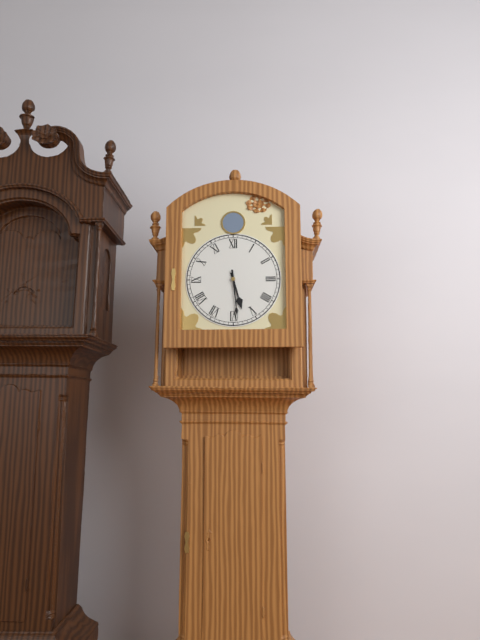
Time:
5h29
